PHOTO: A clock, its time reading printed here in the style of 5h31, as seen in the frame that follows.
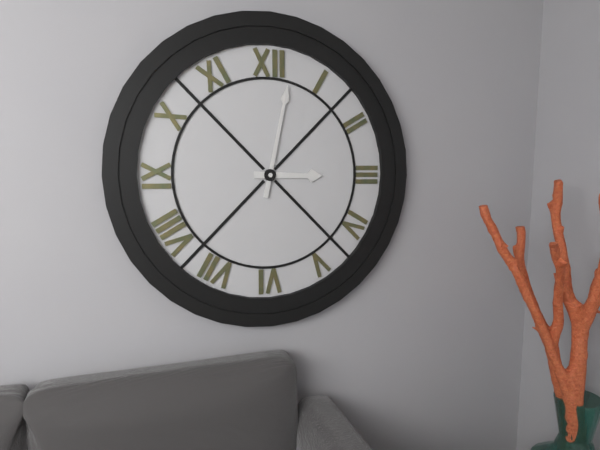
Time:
3h02
